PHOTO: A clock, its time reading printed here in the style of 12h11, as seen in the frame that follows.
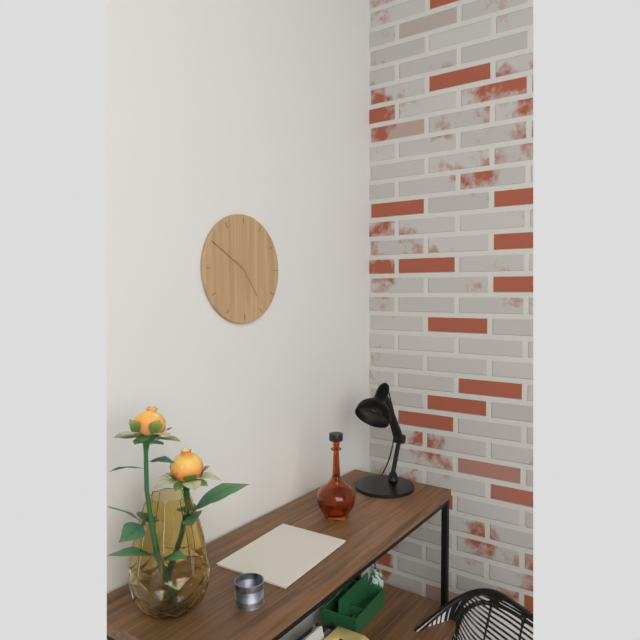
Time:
4h50
